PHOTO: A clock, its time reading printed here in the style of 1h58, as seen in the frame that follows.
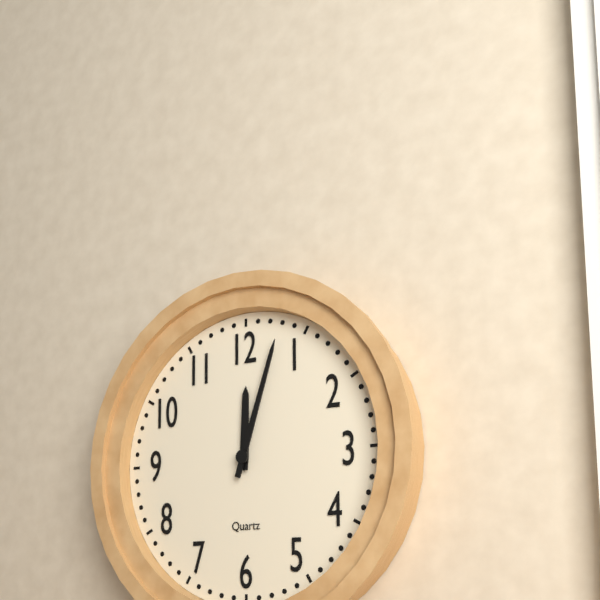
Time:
12h03
